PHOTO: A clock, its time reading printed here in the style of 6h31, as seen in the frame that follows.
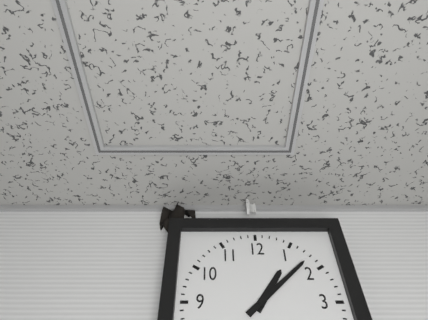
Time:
1h08
